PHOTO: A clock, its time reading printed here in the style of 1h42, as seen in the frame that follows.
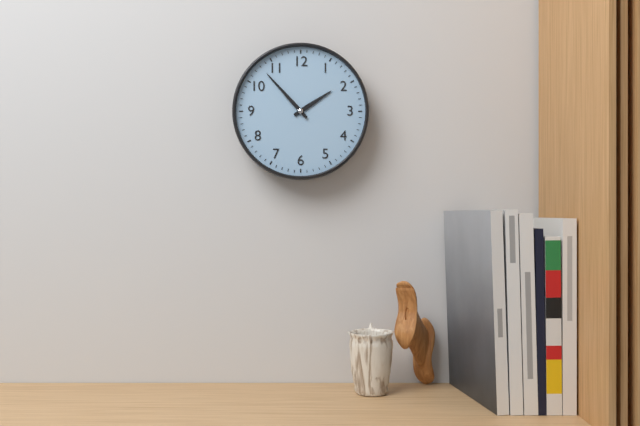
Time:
1h53
